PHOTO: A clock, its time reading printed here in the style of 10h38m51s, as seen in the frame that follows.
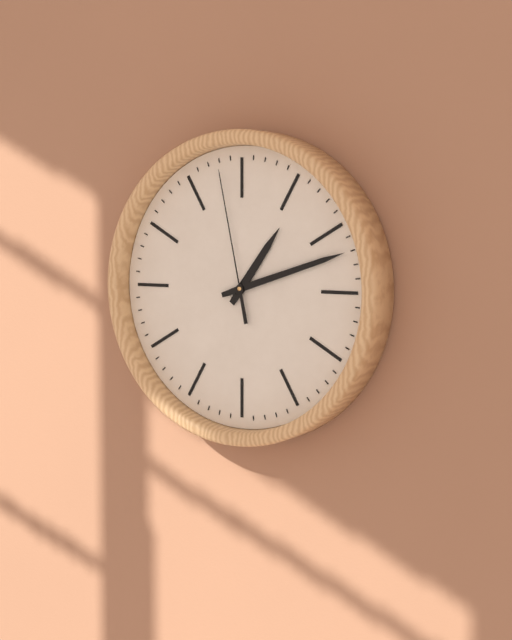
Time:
1h12m58s
